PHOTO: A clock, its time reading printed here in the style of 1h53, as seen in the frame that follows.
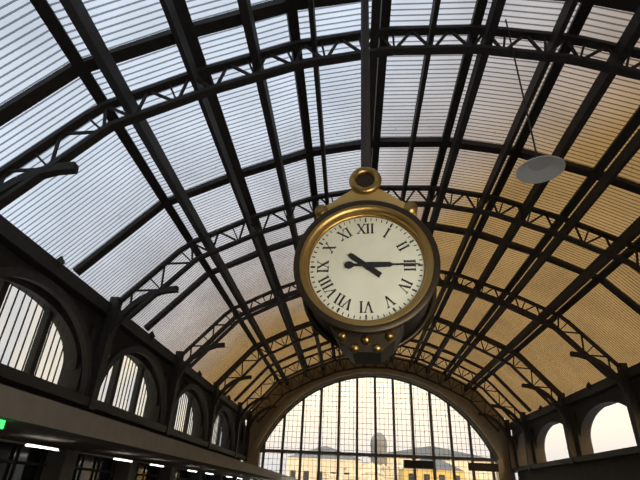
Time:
10h15
